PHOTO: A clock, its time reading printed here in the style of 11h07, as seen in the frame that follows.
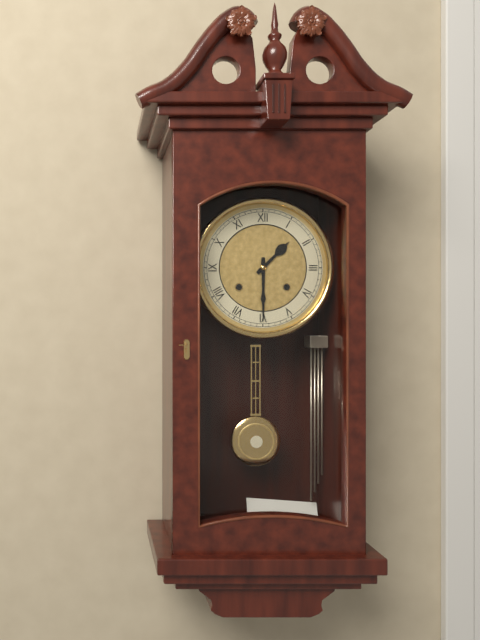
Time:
1h30
